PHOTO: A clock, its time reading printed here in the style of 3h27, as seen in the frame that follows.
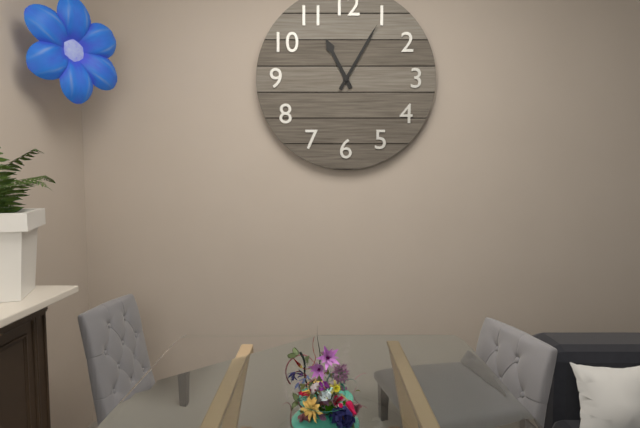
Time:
11h05
